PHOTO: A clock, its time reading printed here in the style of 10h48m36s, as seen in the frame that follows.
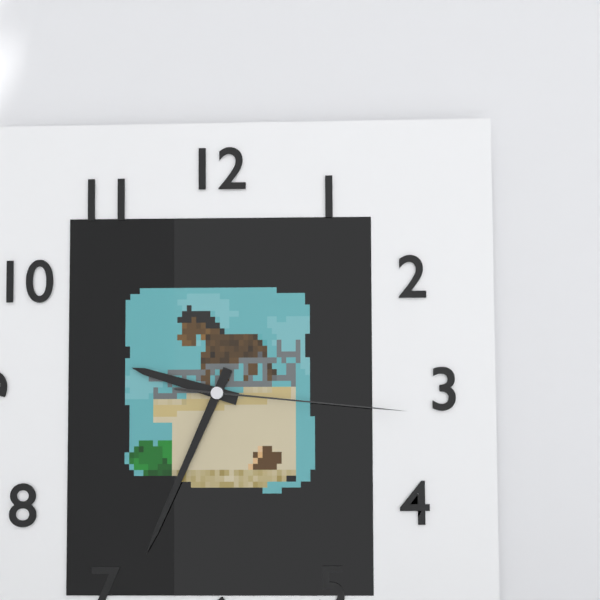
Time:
9h34m16s
